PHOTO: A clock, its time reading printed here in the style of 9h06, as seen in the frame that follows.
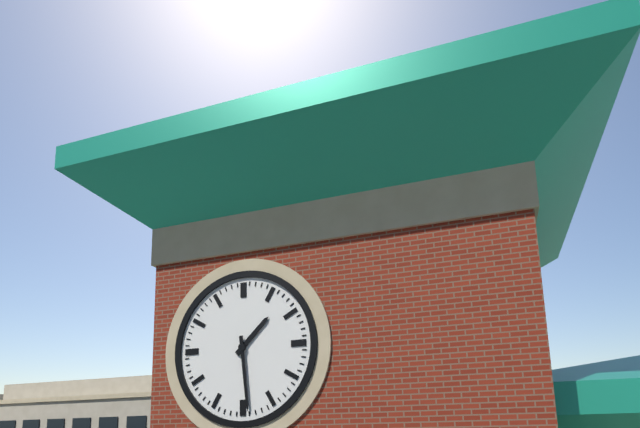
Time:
1h29
